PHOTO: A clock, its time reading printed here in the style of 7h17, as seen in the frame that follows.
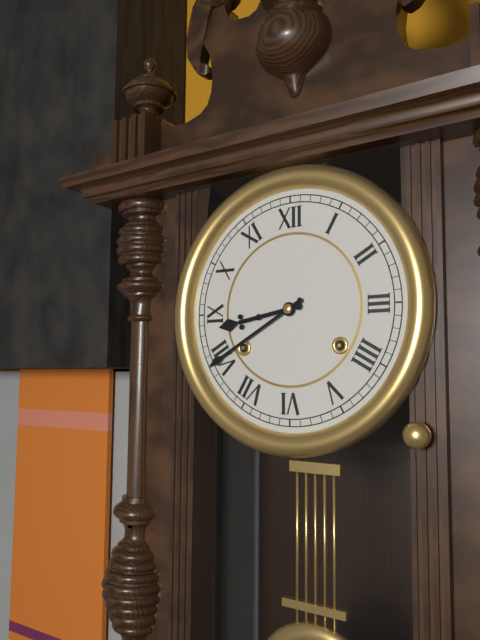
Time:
8h40
